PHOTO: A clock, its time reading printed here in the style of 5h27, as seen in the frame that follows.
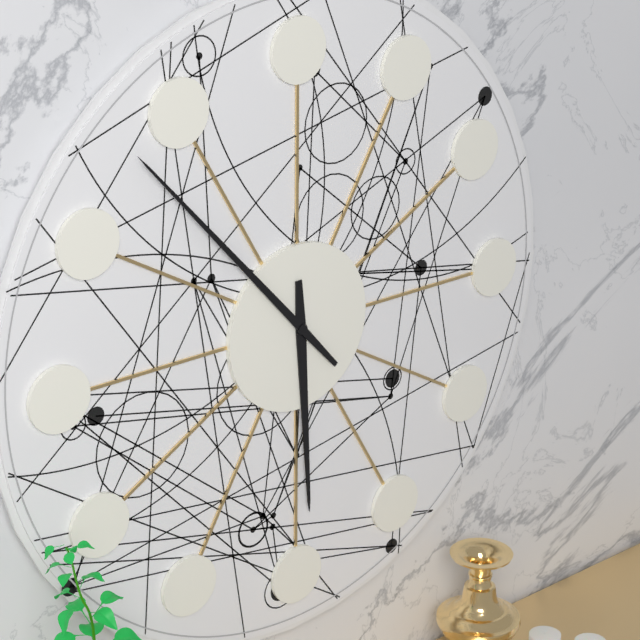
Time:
5h53
